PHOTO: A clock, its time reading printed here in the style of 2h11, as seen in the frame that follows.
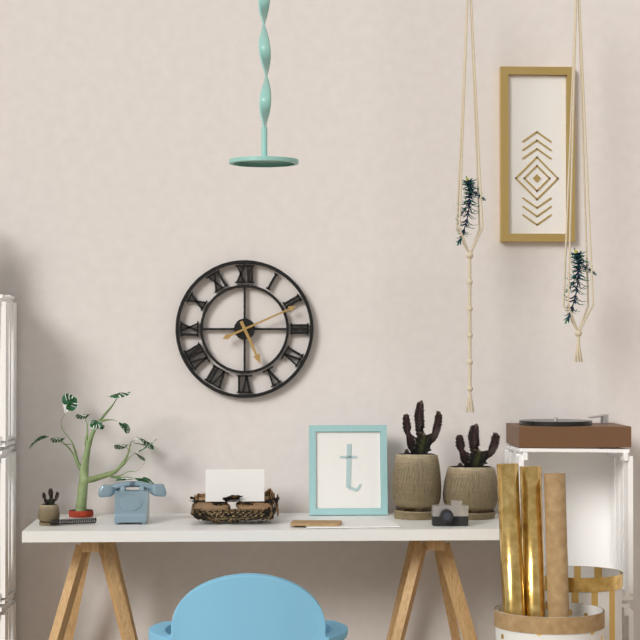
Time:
5h11
